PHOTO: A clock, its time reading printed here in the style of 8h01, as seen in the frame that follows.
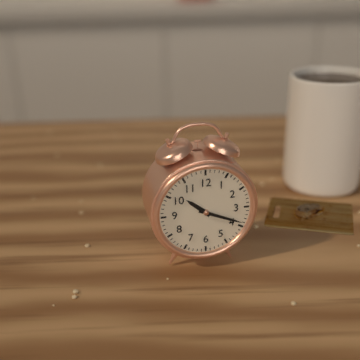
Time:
10h19
